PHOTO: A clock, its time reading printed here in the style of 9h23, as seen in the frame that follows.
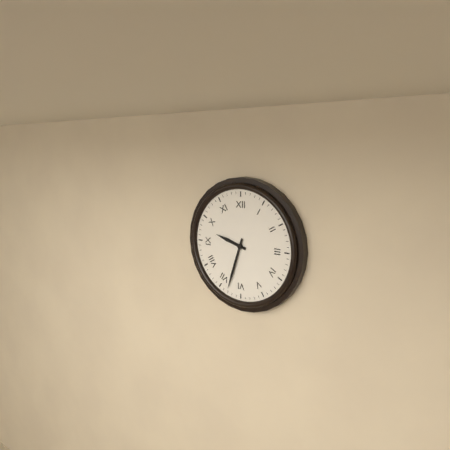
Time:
9h33
